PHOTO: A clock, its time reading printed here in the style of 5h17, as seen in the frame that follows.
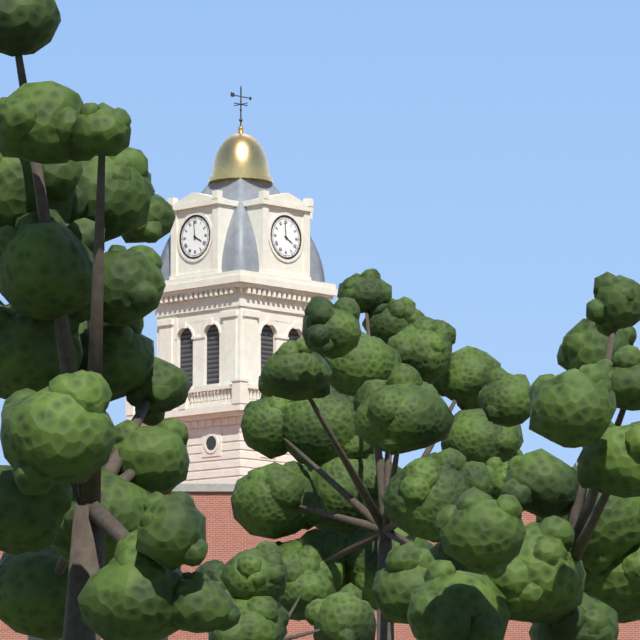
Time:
3h59
